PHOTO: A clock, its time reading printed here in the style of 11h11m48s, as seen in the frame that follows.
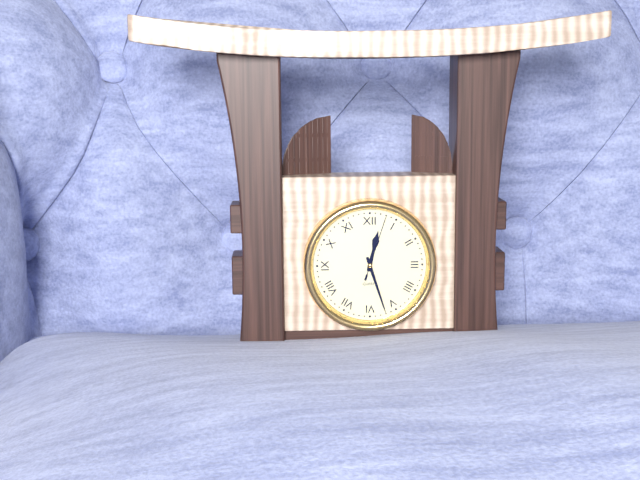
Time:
12h27m03s
